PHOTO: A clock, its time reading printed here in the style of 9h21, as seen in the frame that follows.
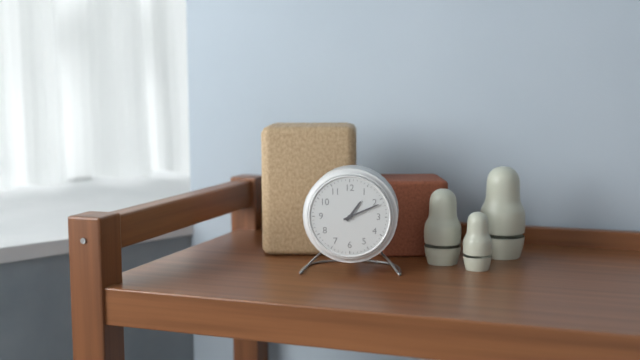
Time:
1h11
